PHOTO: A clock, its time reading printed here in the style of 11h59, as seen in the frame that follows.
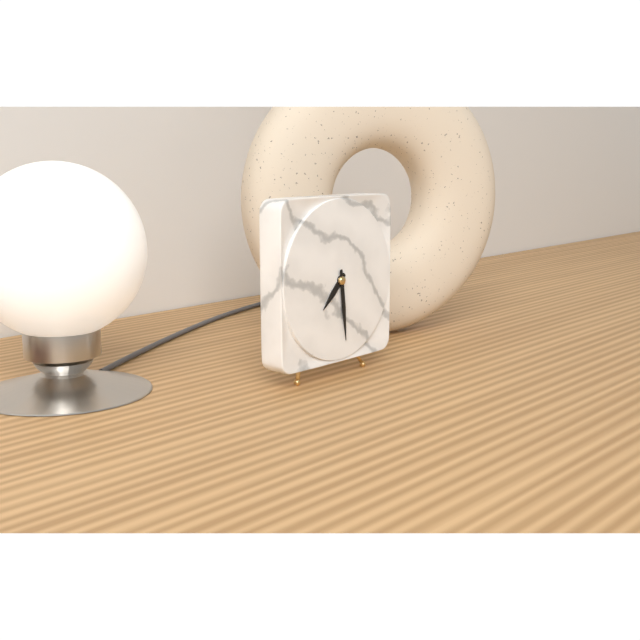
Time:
7h29
